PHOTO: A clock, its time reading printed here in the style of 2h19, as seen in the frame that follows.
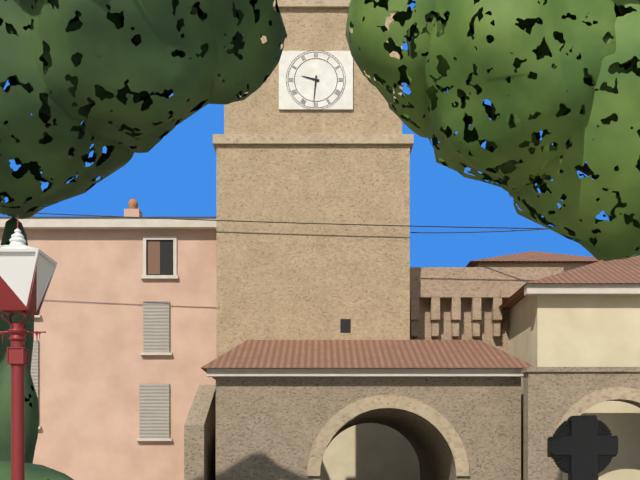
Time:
9h31
